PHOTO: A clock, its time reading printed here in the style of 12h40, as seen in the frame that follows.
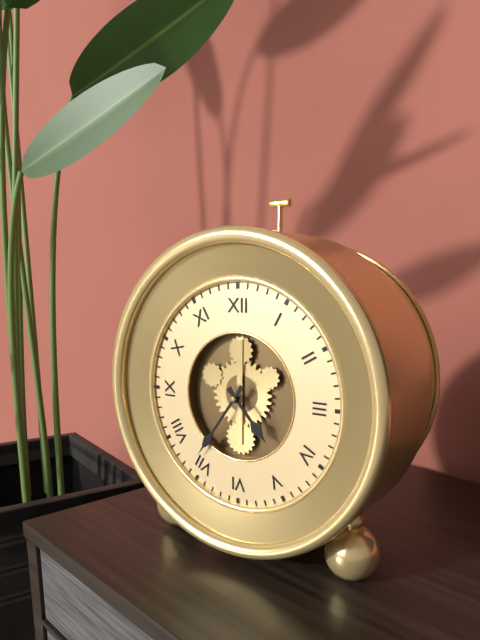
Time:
4h36
